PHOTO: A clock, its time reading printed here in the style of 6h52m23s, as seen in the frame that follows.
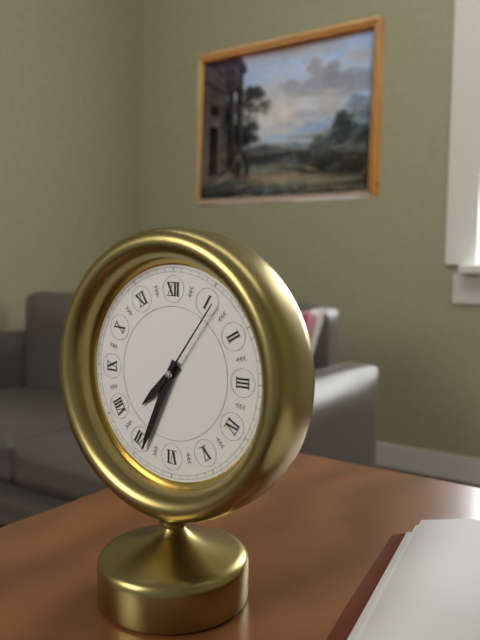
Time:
7h34m06s
